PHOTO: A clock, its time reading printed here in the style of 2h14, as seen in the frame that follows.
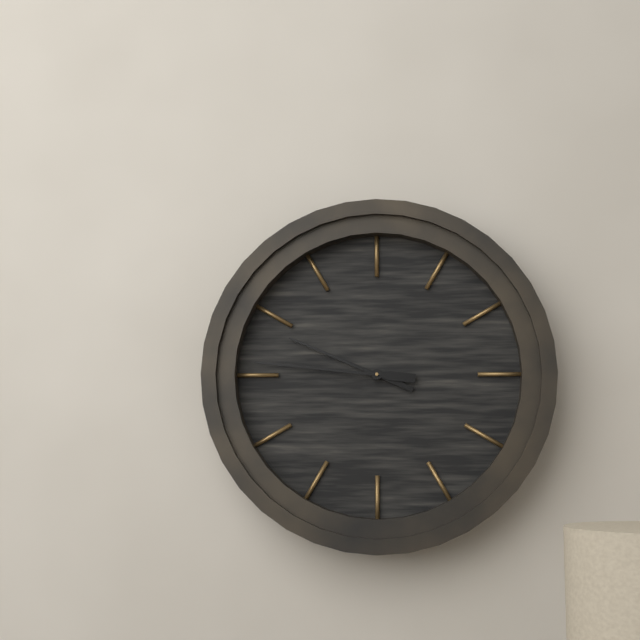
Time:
9h46
